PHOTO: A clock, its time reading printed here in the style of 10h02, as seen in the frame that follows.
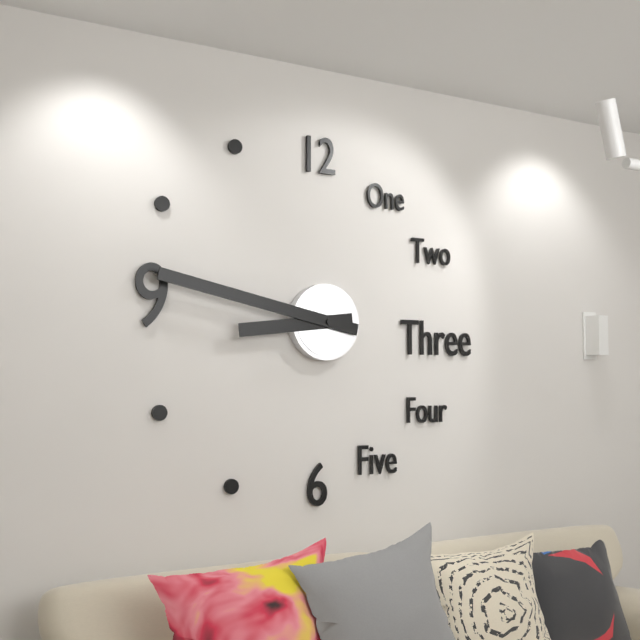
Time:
8h47
